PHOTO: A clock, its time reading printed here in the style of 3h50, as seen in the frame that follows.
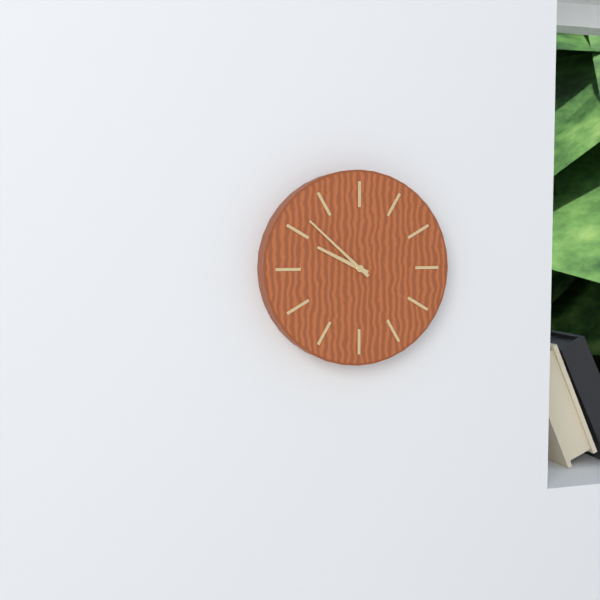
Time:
9h52
